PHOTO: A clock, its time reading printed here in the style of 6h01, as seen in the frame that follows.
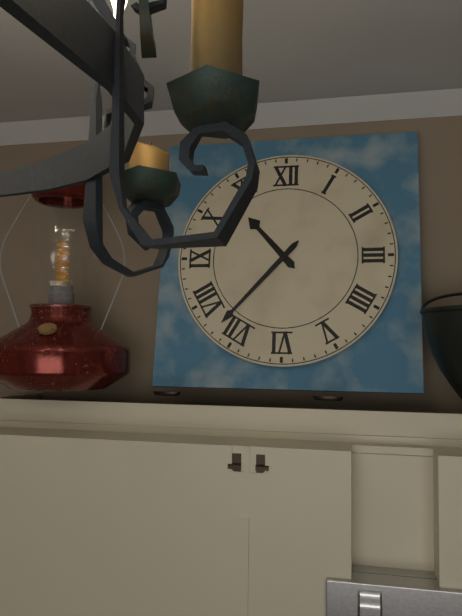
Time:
10h37
